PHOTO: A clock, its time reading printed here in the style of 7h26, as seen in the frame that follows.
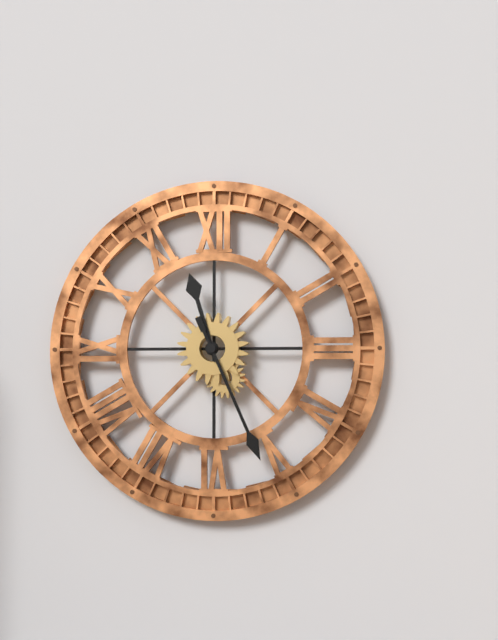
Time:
11h26
